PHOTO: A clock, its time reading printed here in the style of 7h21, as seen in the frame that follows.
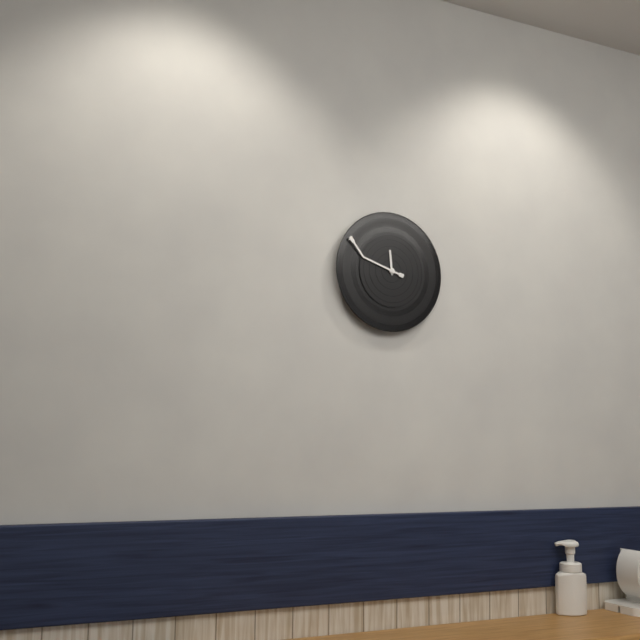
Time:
11h48
